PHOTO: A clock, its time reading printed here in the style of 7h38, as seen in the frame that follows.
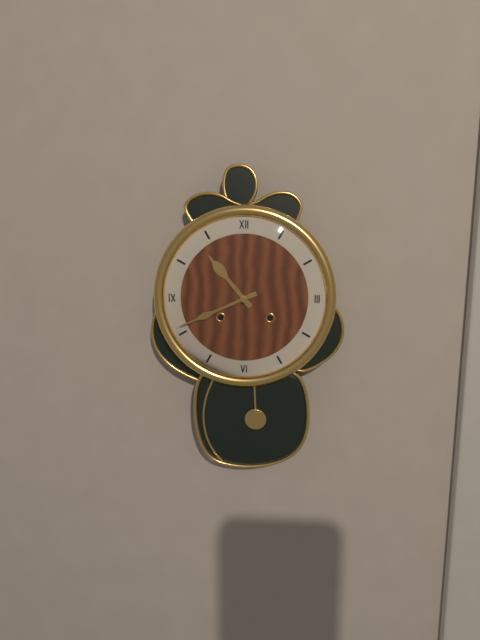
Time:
10h41
